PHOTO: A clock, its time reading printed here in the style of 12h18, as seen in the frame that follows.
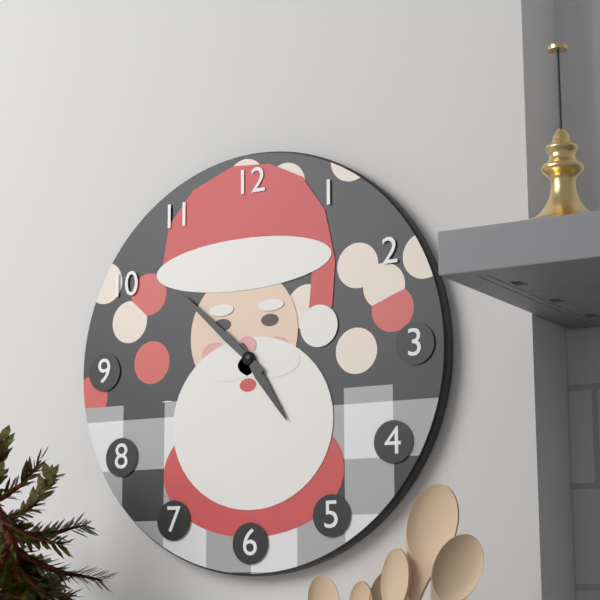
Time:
4h52
